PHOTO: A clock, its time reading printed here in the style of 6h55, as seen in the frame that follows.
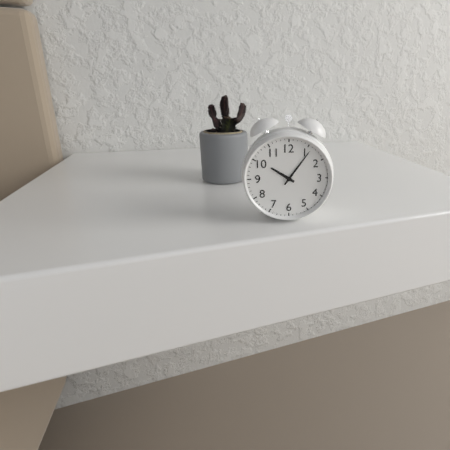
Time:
10h06
